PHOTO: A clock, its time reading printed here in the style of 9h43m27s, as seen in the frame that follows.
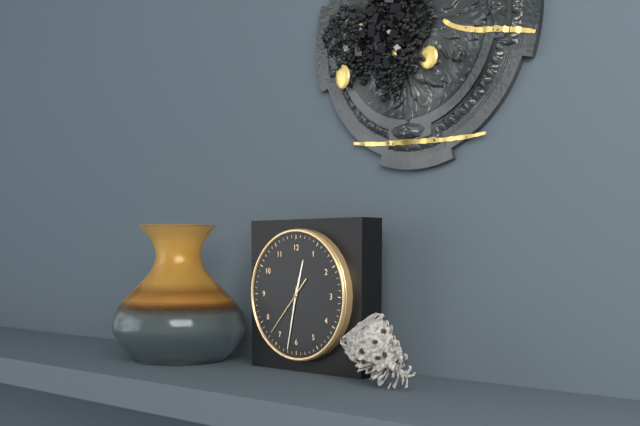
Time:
12h32m37s
